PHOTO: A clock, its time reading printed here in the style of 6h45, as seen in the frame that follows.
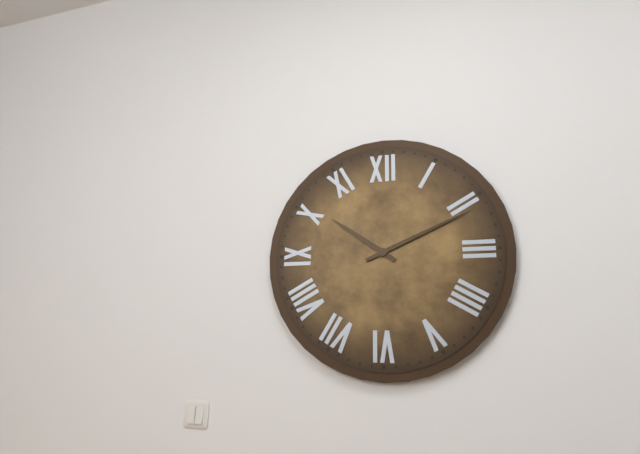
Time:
10h11
